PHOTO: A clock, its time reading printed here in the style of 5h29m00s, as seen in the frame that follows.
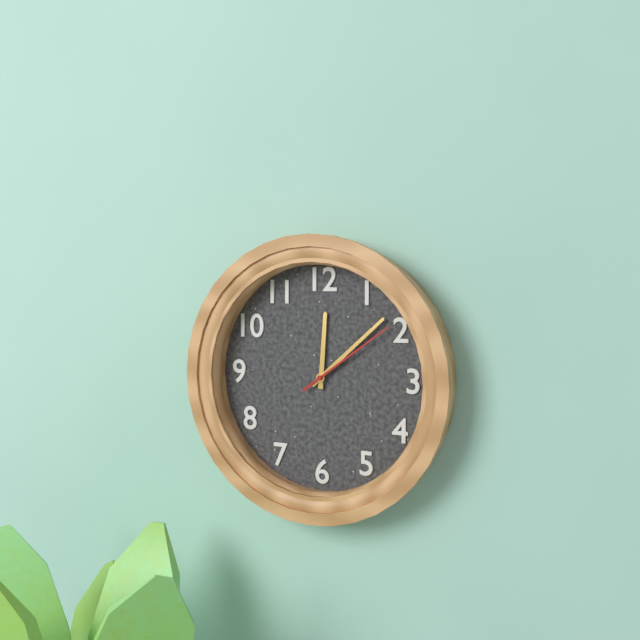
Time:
12h08m09s
